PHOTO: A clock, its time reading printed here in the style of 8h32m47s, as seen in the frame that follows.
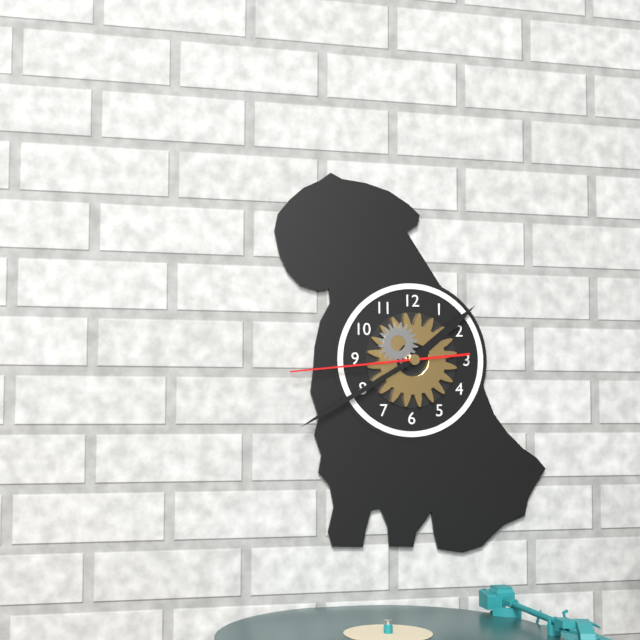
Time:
1h40m44s
